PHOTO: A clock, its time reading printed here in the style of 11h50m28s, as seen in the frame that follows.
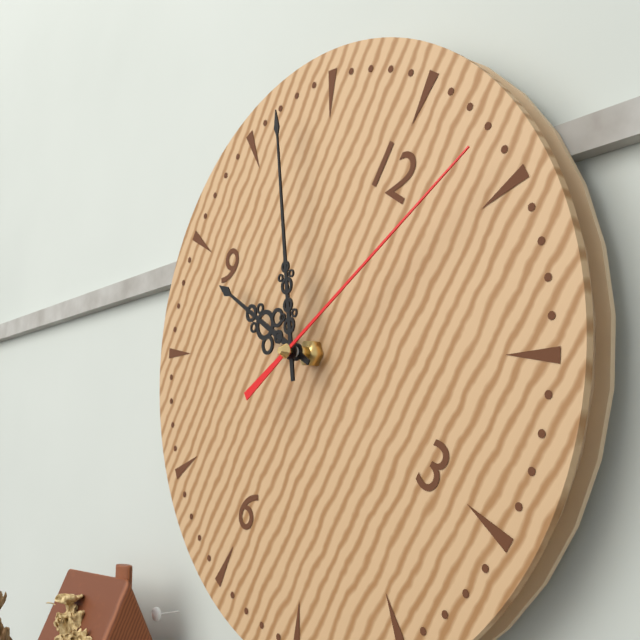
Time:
8h53m04s
